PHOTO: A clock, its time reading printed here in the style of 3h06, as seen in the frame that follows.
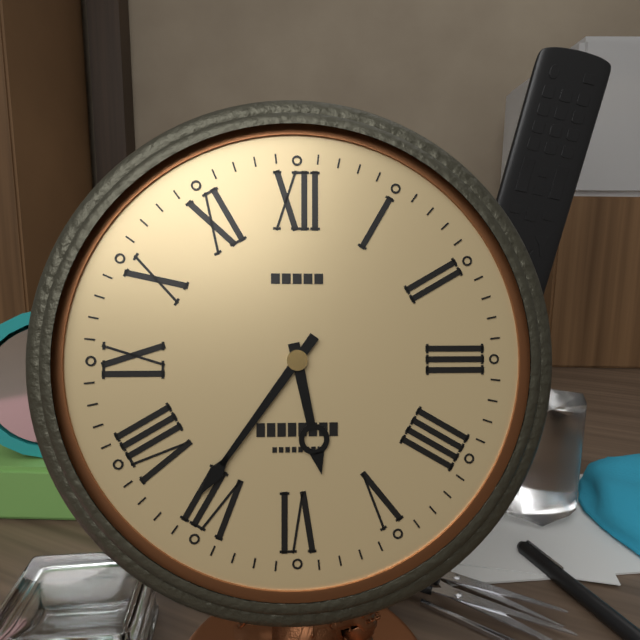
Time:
5h36
